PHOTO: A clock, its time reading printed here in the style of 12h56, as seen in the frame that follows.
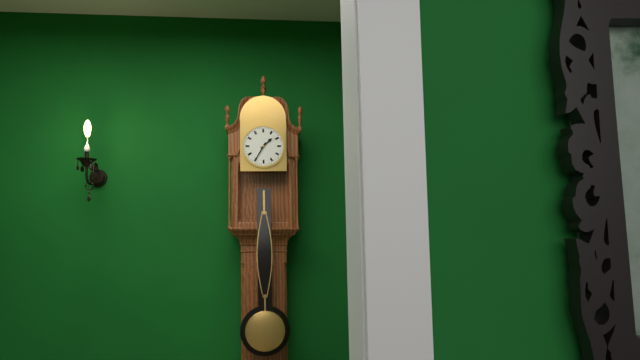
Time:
1h35
